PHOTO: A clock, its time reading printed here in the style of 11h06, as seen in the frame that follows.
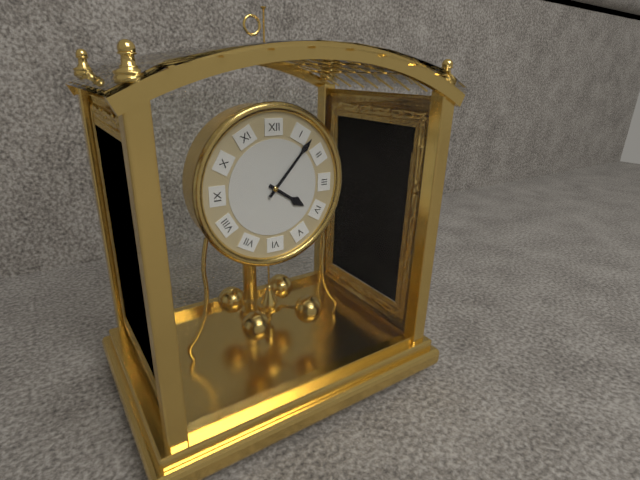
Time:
4h07
